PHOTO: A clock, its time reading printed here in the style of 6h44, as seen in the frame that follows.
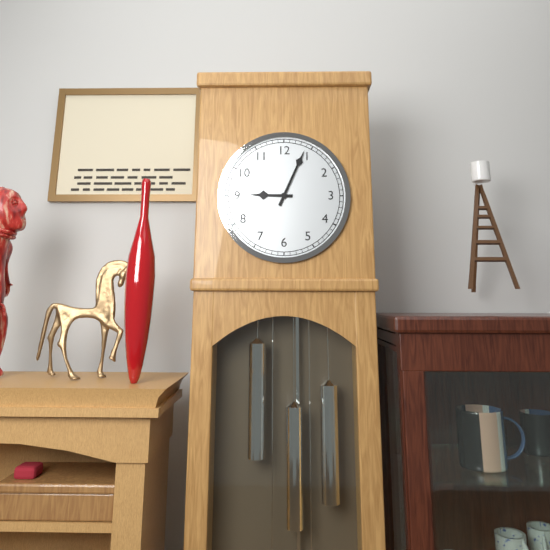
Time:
9h04
